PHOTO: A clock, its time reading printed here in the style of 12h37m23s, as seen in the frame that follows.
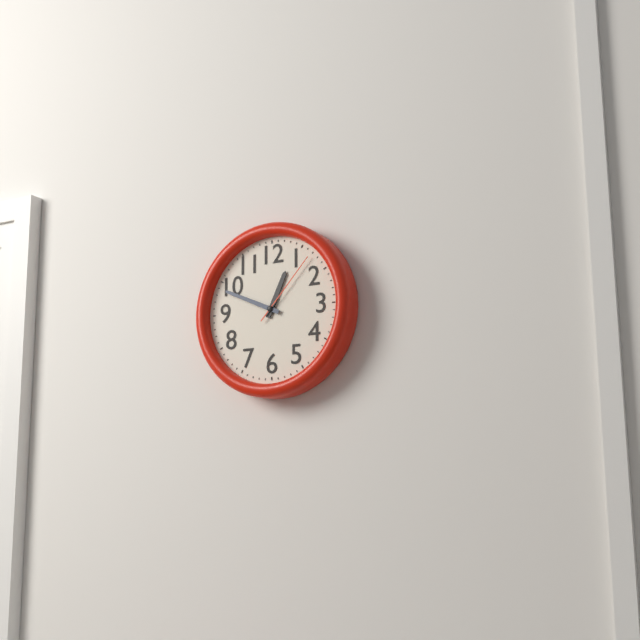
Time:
12h49m07s
